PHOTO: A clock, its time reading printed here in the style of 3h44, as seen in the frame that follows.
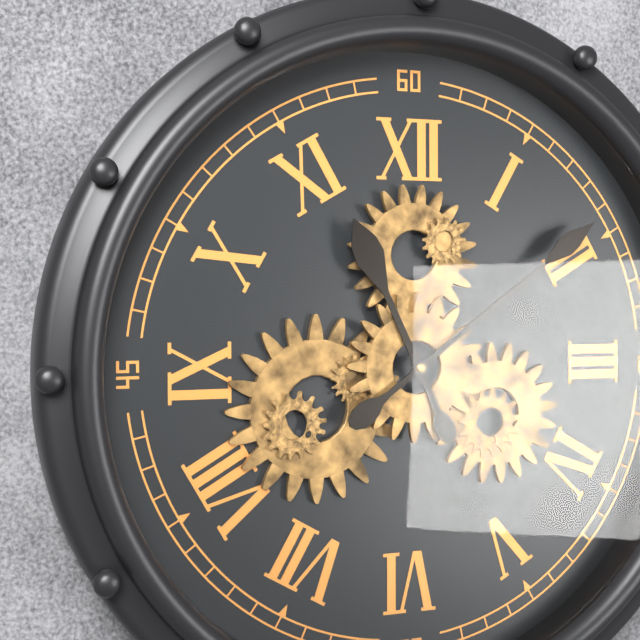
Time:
11h09
